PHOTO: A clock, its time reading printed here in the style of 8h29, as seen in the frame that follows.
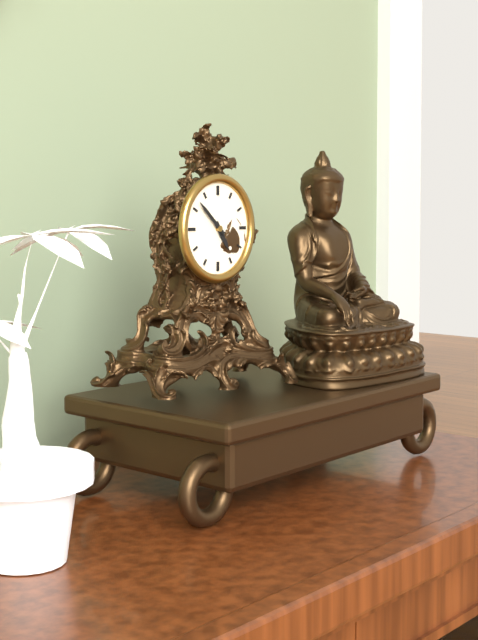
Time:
4h52
